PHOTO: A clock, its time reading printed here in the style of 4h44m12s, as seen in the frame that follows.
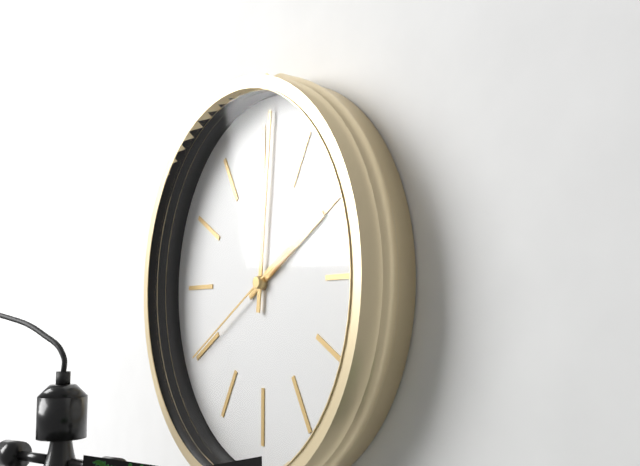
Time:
2h01m40s
